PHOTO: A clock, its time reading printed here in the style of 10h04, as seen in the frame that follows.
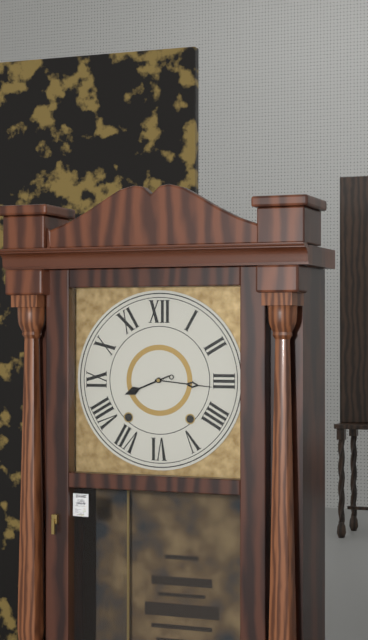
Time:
8h16
